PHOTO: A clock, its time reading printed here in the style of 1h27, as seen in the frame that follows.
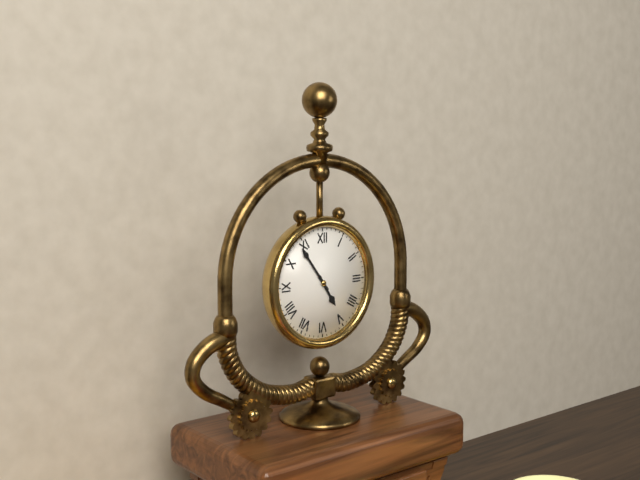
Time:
4h54
